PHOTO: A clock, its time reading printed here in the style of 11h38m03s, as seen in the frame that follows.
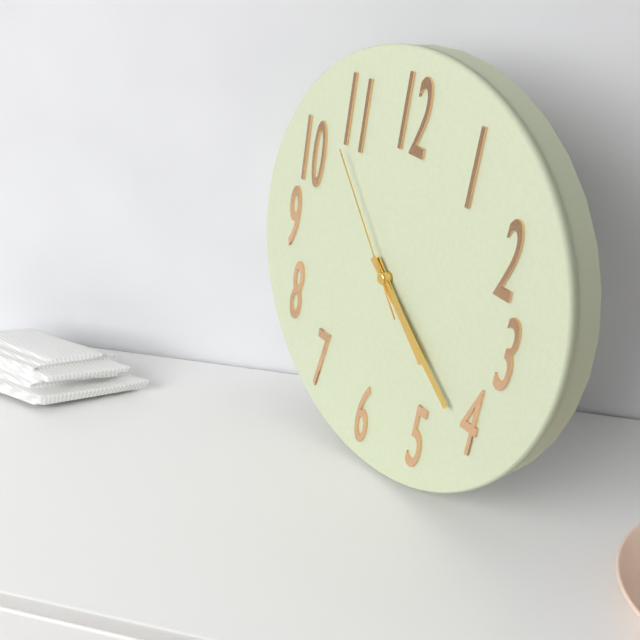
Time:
4h21m53s
